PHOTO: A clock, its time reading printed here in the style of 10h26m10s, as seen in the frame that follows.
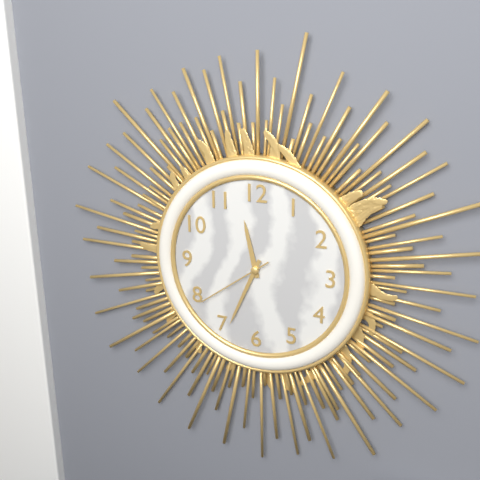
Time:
11h34m39s
